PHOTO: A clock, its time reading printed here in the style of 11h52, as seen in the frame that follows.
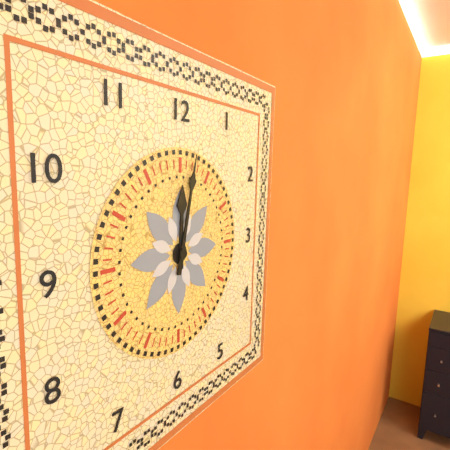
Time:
12h02
